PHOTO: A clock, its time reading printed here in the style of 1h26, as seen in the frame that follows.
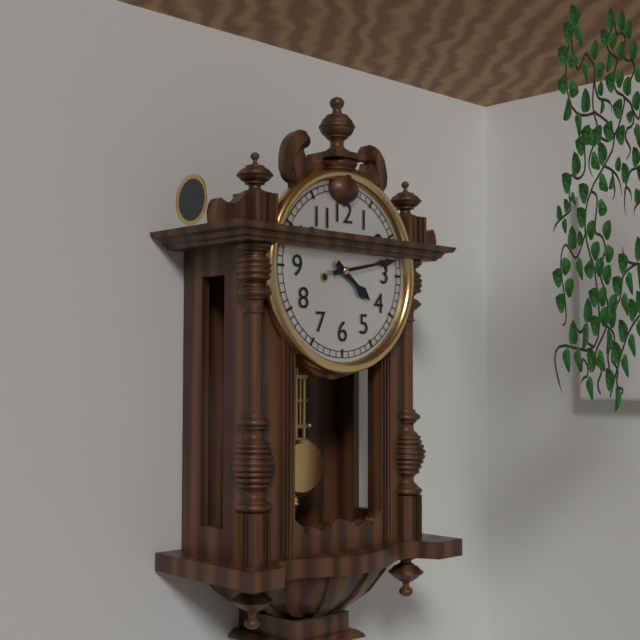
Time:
4h13
